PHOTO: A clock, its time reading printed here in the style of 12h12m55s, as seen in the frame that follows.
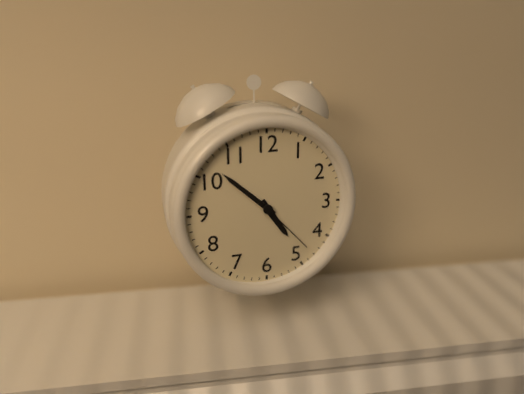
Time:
4h52m23s
